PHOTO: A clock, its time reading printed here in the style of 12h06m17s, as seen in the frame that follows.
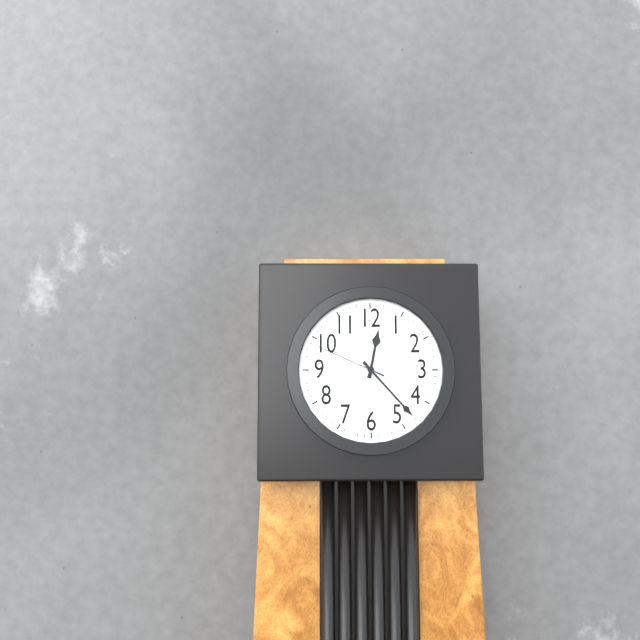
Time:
12h23m49s
